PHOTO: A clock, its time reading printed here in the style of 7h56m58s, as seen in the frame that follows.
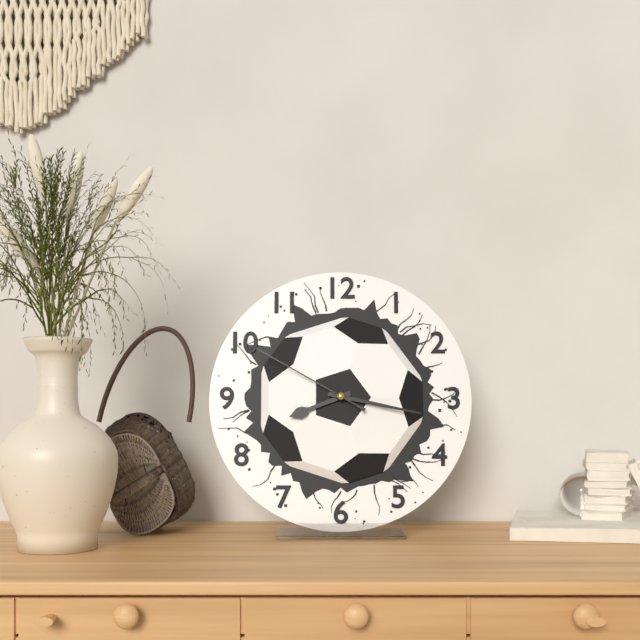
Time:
8h17m50s
